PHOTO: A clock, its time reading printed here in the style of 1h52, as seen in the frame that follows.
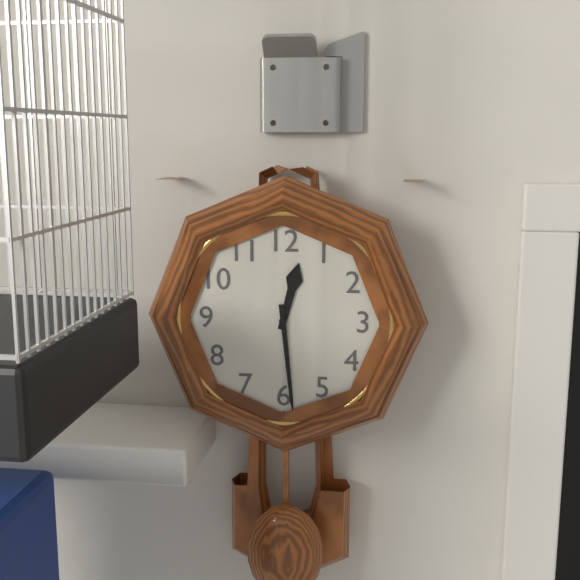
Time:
12h29
